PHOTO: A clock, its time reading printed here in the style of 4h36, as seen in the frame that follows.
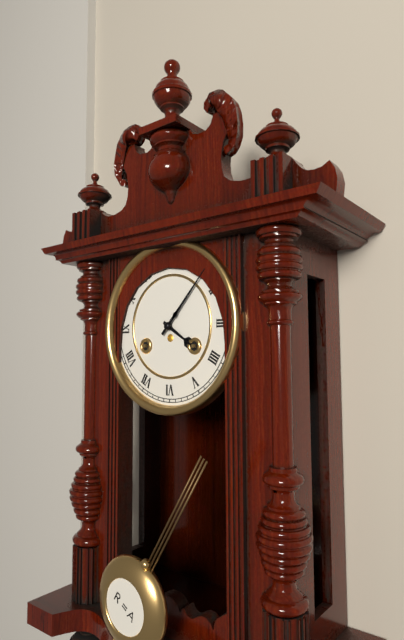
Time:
4h07
